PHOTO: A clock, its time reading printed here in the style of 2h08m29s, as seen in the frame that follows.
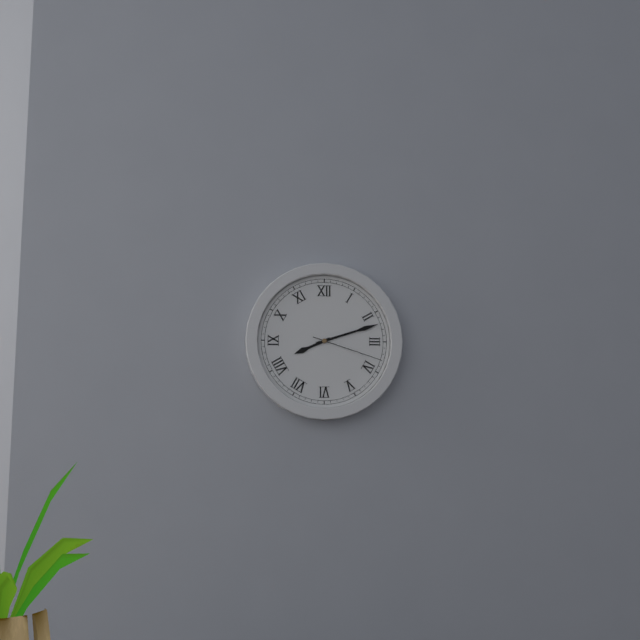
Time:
8h12m18s
